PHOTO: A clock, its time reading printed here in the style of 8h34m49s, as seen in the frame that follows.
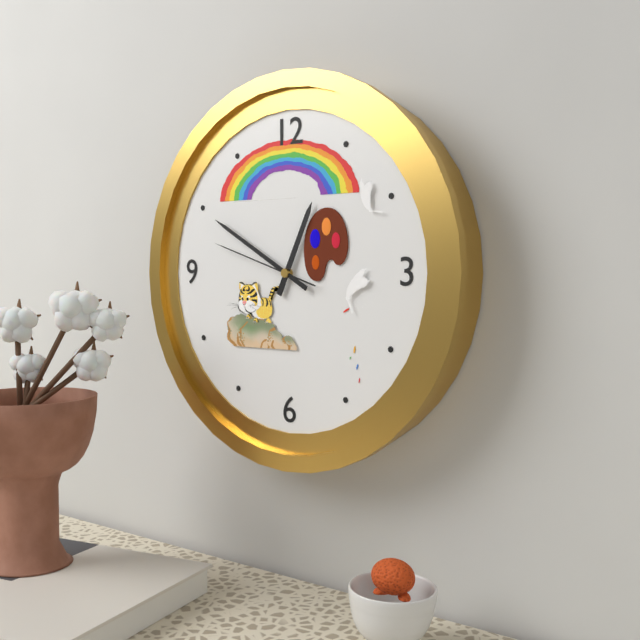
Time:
12h50m48s
